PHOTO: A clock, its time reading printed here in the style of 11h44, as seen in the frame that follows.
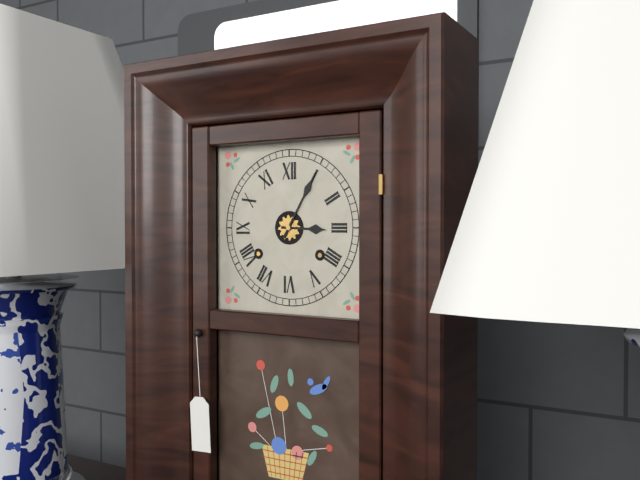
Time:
3h05
